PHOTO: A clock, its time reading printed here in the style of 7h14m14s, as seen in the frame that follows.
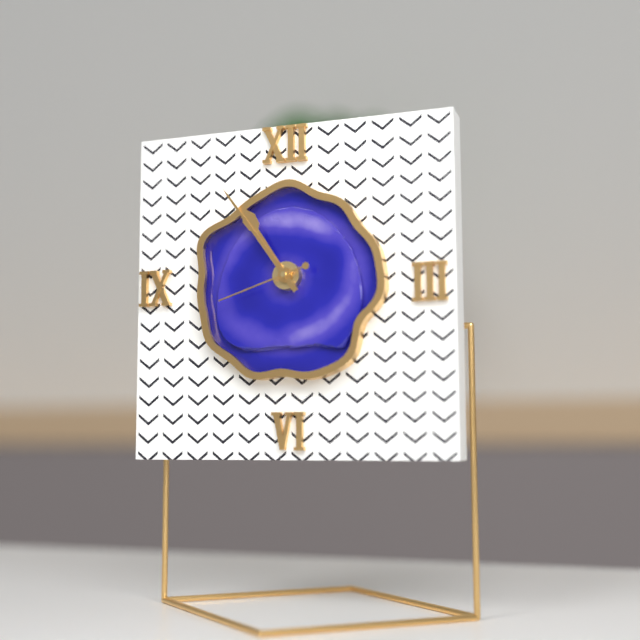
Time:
10h54m42s
